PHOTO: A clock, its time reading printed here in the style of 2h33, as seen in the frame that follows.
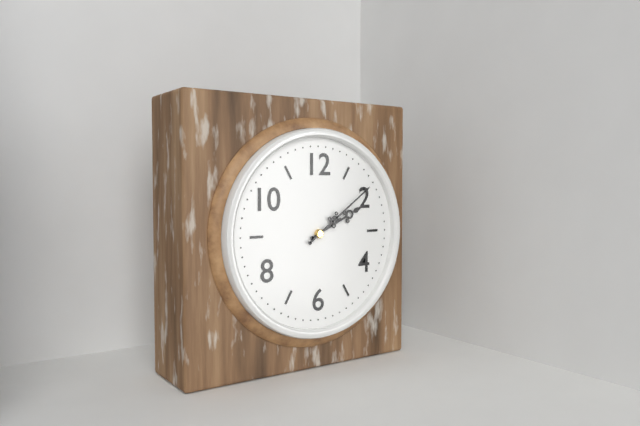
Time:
2h09
